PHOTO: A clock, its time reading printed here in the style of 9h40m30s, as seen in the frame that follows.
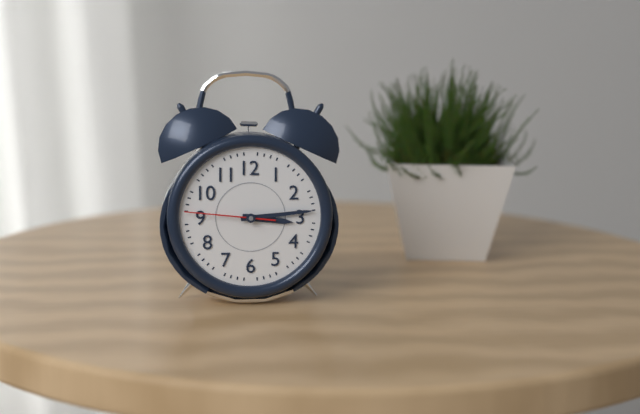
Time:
3h14m46s
